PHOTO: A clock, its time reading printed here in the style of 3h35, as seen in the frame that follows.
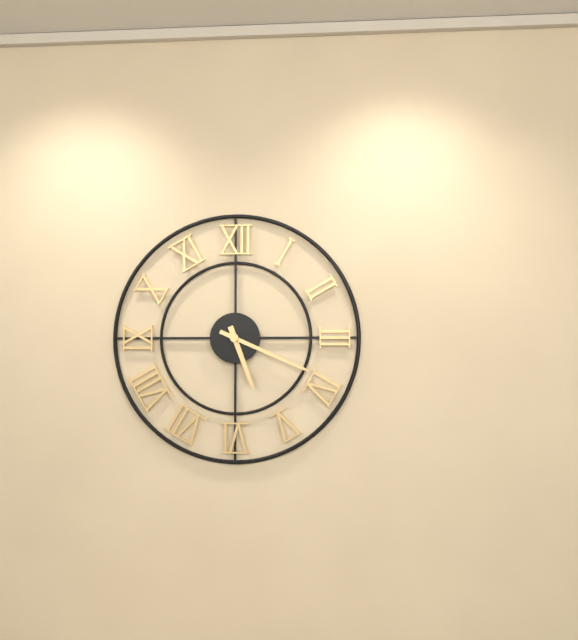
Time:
5h19
